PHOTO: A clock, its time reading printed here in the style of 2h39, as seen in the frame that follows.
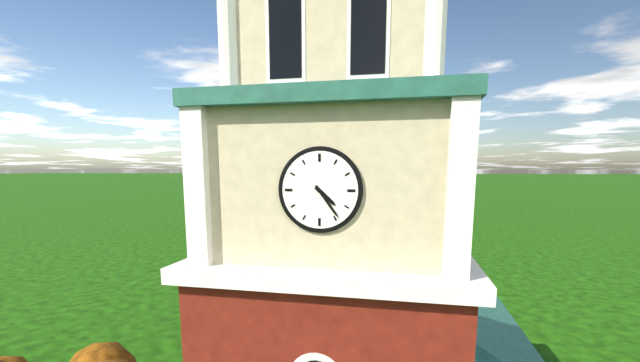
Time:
4h24
